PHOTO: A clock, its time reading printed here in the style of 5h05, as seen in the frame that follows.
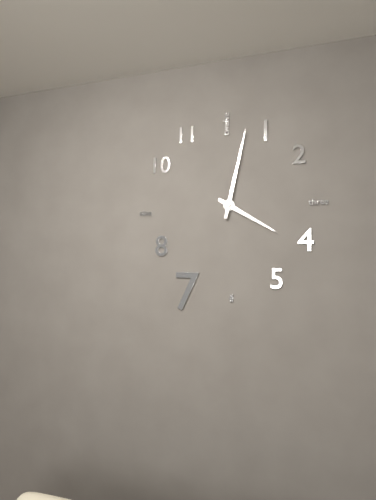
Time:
4h02
